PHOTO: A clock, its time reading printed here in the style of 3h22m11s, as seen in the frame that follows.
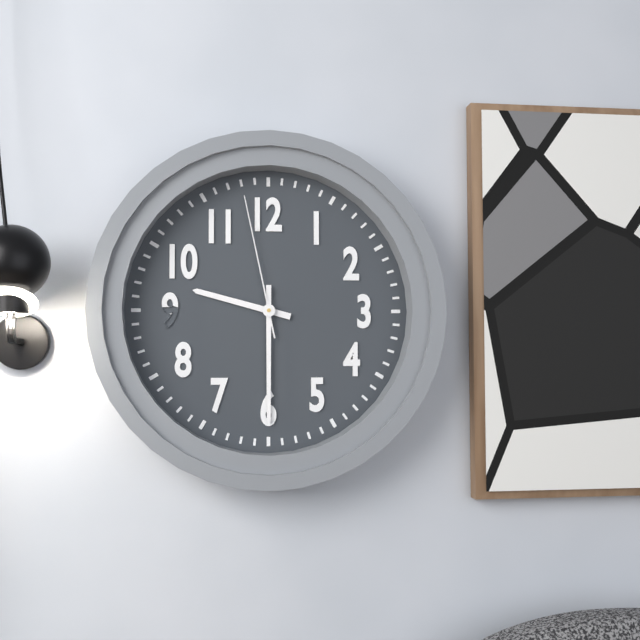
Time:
9h30m58s
